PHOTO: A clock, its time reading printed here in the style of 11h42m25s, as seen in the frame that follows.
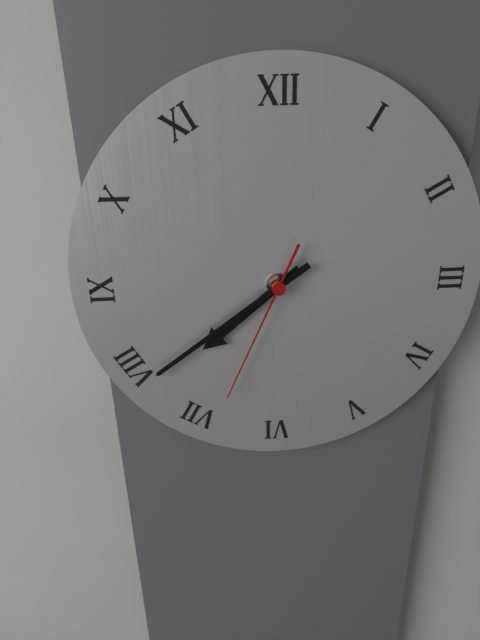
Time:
7h39m34s
